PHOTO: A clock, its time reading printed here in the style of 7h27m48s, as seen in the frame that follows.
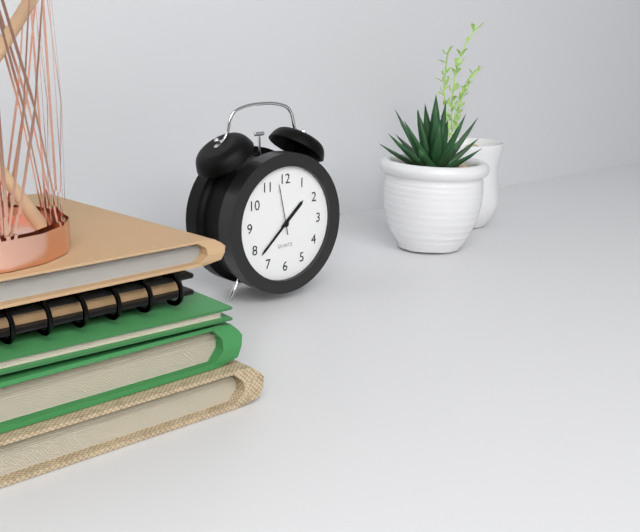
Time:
1h38m58s
